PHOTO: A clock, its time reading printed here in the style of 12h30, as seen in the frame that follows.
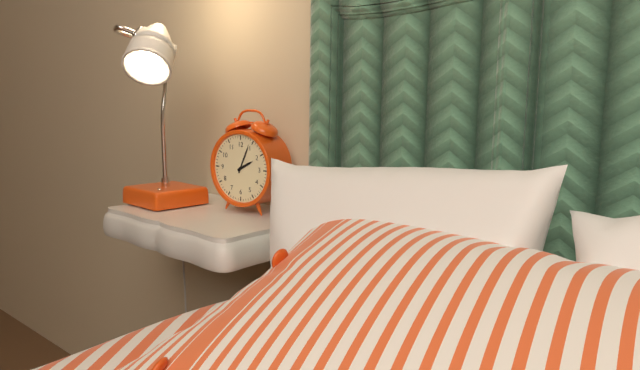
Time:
2h04
